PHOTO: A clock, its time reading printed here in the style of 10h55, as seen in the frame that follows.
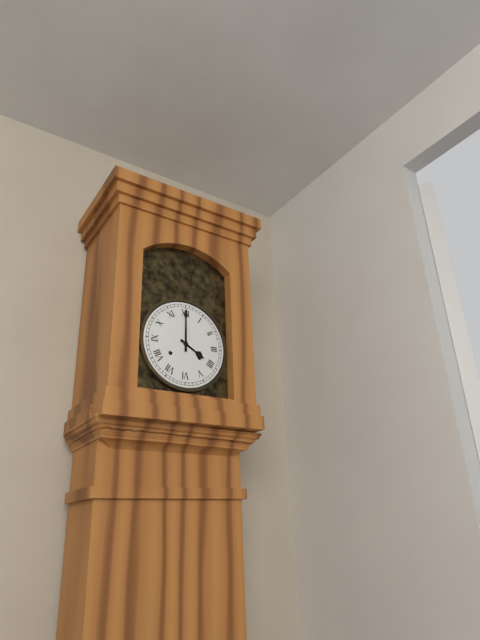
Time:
4h00
